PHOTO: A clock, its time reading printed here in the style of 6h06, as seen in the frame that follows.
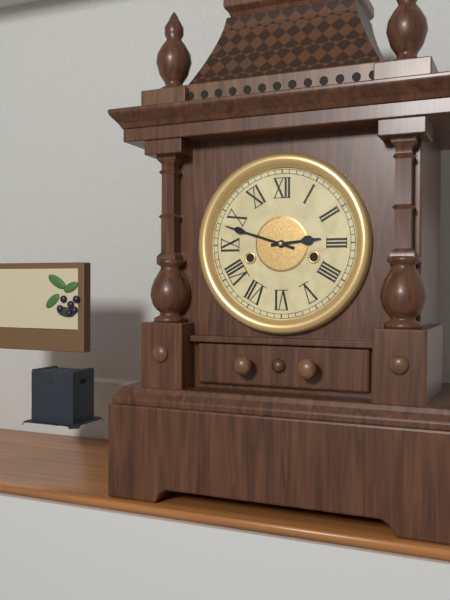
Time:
2h48
